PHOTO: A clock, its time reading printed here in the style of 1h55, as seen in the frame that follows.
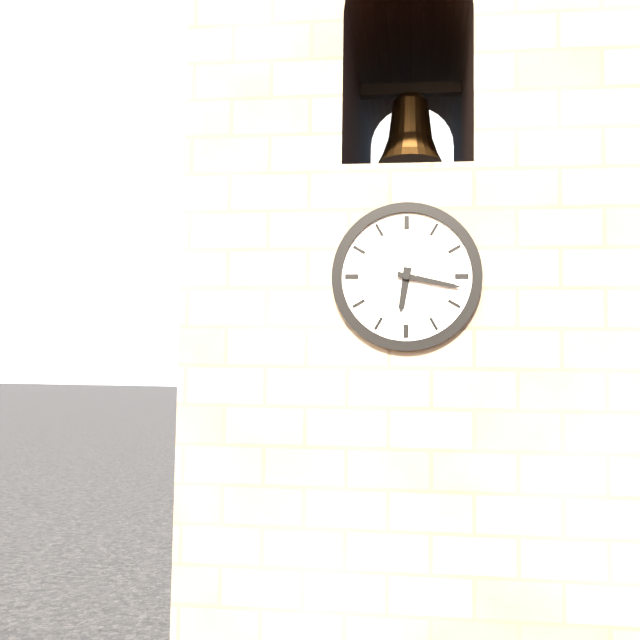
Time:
6h17
